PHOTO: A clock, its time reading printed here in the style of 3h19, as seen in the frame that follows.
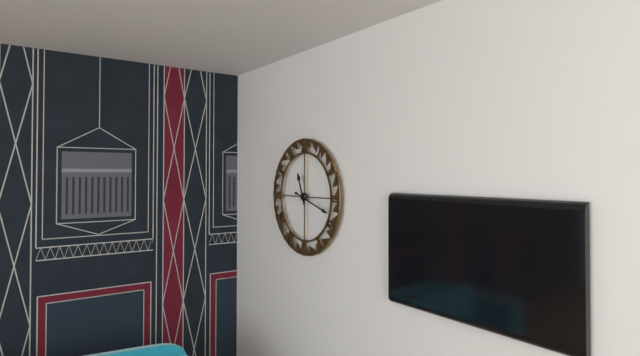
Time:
11h18
